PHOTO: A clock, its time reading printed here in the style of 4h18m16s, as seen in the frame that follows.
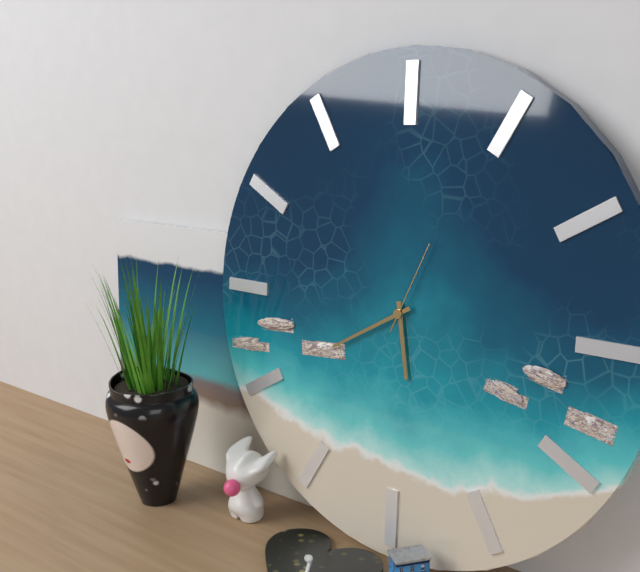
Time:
5h40m04s
